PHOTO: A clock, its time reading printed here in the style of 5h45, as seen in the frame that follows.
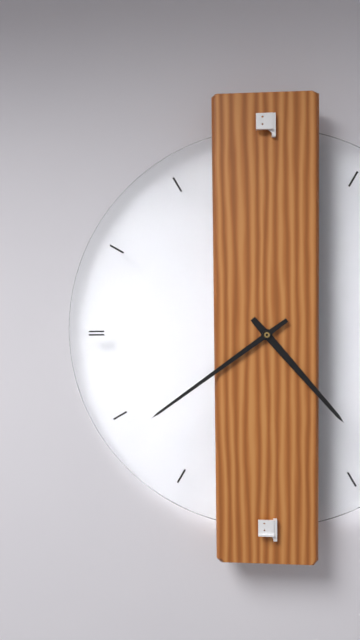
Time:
4h39
